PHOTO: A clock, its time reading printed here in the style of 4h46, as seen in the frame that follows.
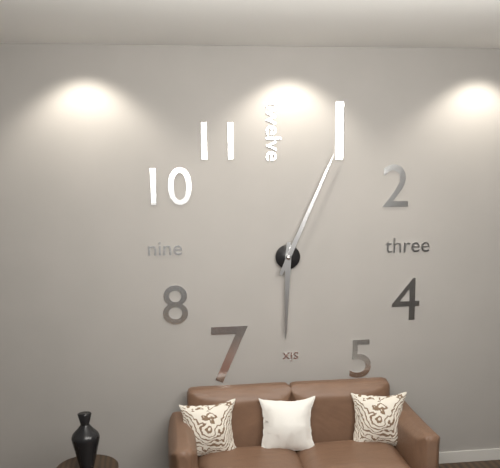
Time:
6h04
